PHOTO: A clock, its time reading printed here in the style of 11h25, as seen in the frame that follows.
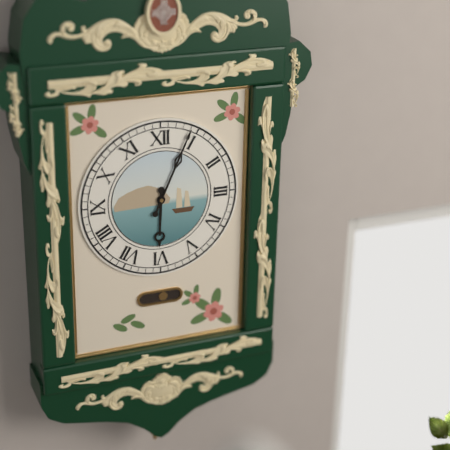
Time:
6h04
